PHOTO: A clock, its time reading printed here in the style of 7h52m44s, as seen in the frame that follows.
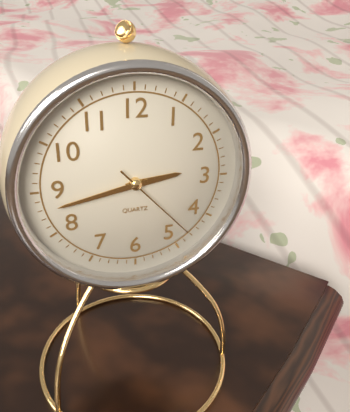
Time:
2h43m23s
